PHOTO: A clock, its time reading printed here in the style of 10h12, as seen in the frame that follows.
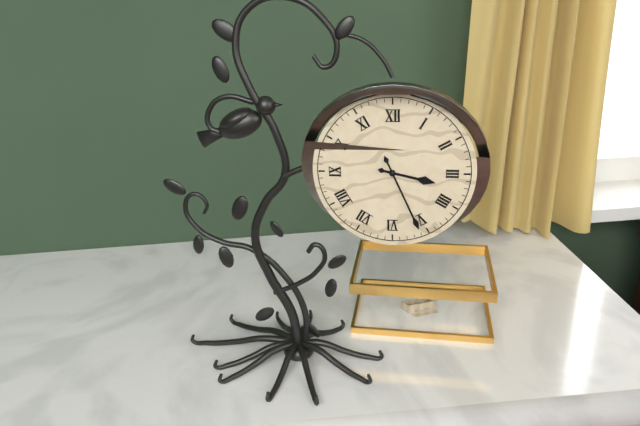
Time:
3h26
